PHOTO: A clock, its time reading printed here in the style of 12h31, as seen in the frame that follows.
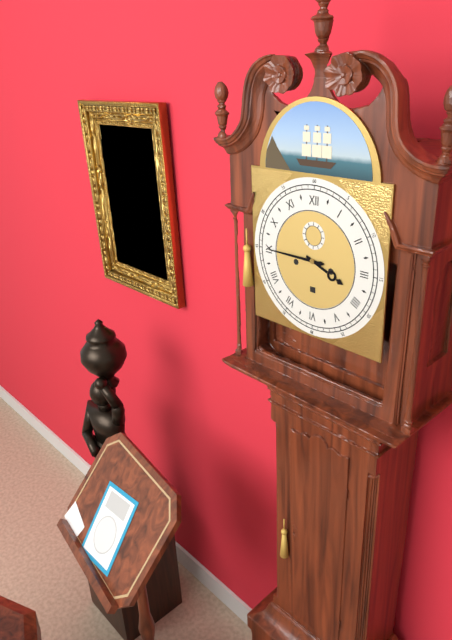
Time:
3h45
